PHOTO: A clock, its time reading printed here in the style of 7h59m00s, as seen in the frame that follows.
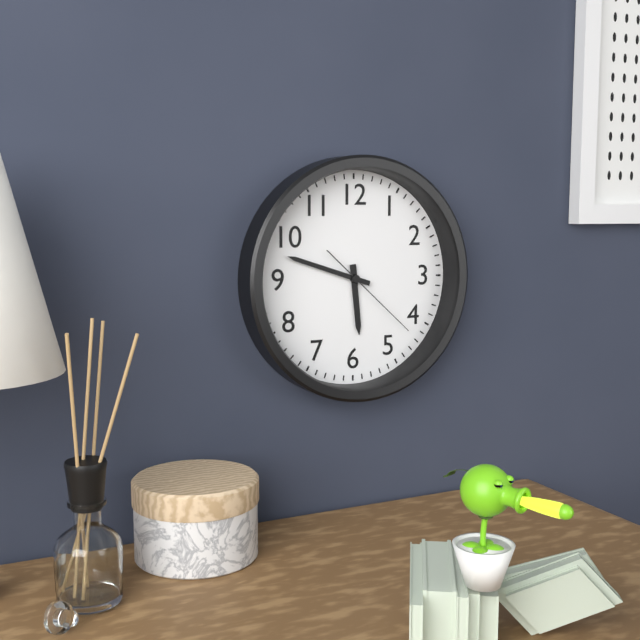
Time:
5h48m22s
